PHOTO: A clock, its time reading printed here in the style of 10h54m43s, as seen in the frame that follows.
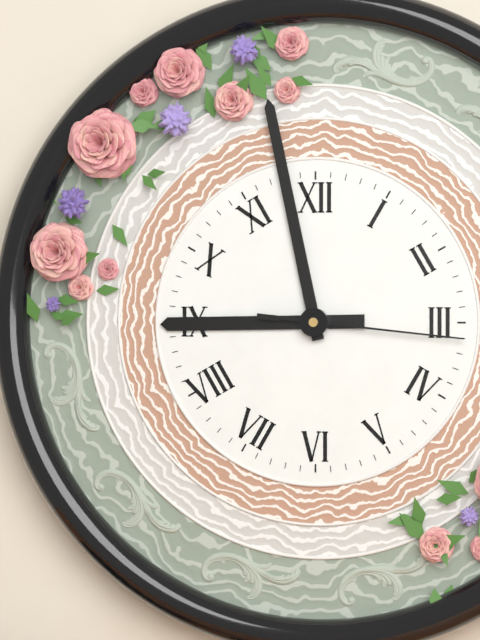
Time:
8h58m16s
